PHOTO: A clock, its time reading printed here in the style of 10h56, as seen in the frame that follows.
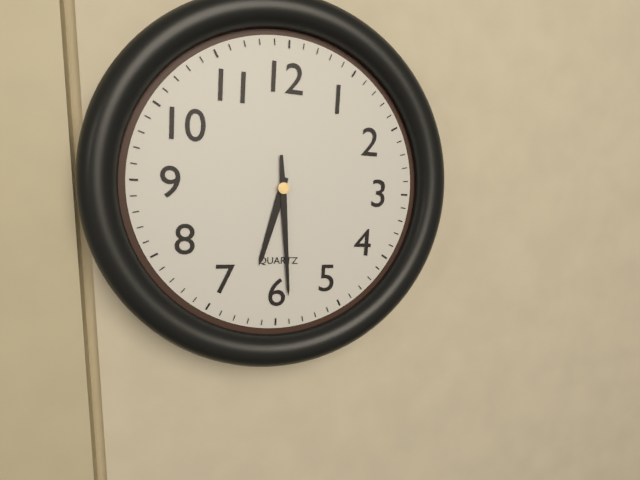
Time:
6h29
